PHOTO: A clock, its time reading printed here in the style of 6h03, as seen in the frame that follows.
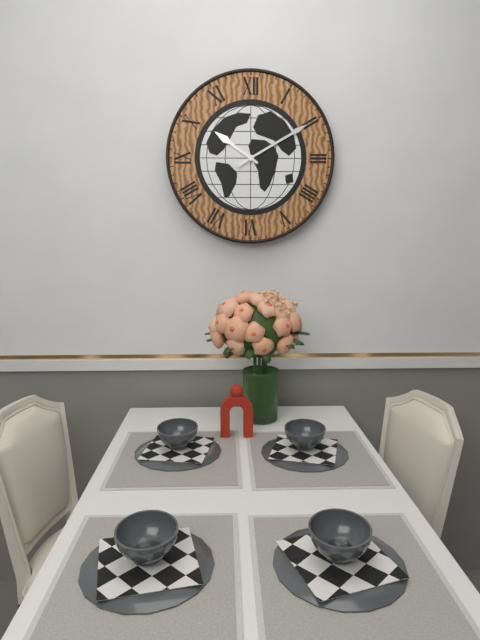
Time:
10h10
